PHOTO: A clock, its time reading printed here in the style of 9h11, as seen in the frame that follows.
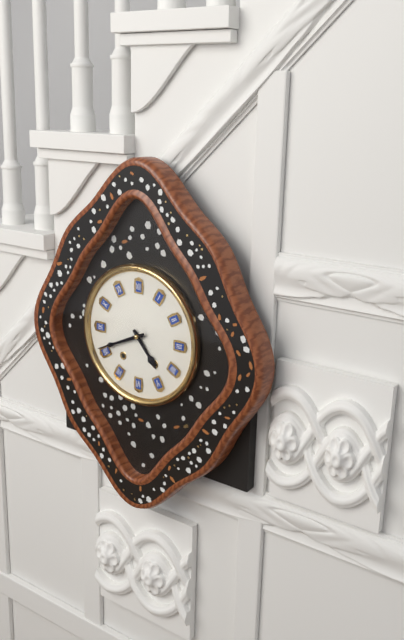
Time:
4h41
